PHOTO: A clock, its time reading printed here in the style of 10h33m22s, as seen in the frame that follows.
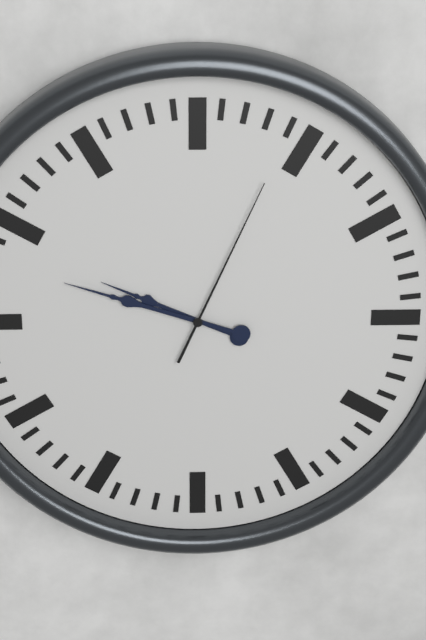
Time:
9h48m04s
